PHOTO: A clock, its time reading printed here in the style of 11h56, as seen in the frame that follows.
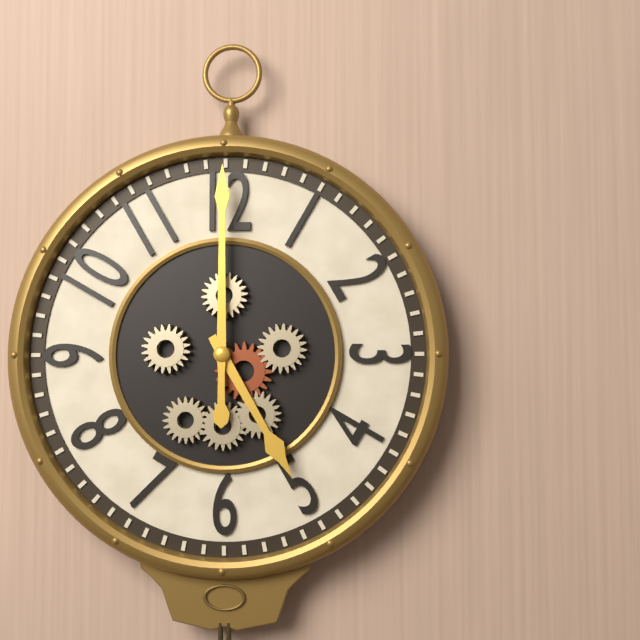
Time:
5h00
